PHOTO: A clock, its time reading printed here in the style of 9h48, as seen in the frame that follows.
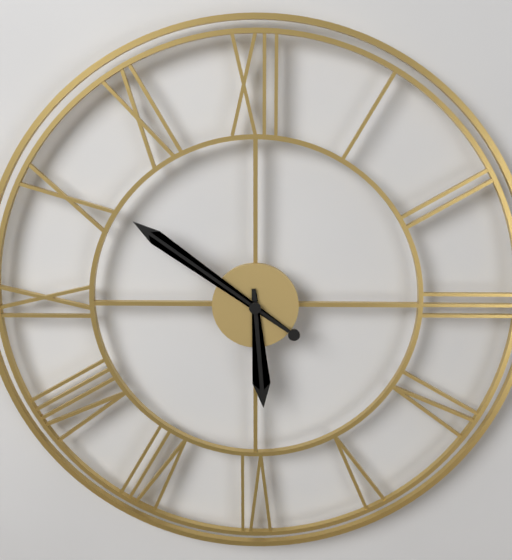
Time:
5h51
